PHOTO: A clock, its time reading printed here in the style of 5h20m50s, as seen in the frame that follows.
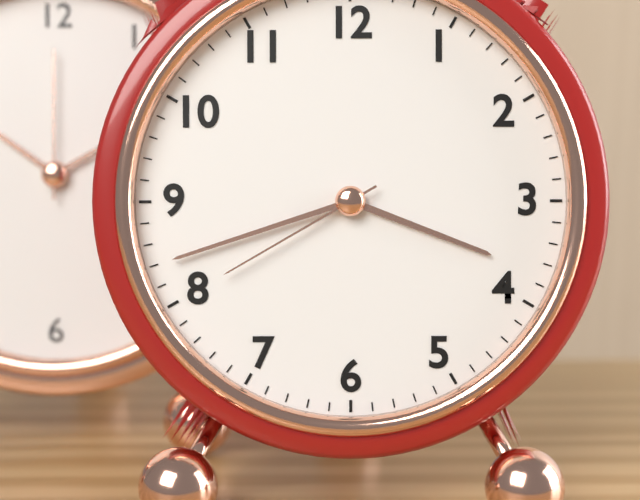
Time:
3h42m40s
